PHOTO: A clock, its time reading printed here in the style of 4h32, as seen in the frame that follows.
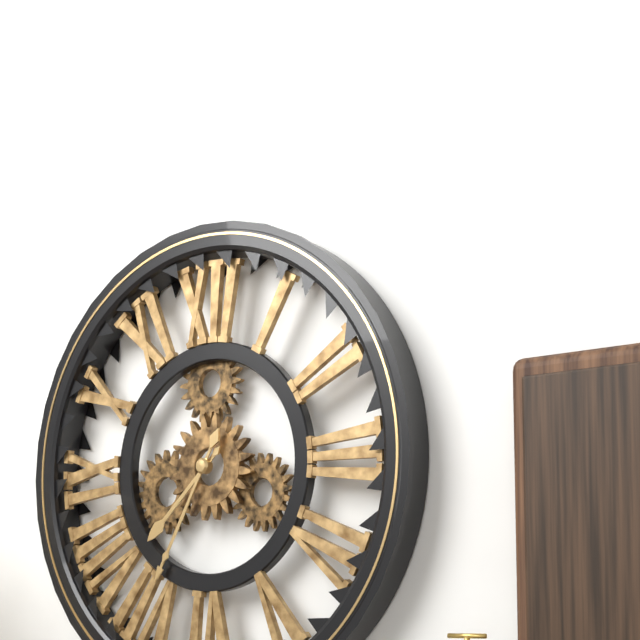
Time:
7h35
